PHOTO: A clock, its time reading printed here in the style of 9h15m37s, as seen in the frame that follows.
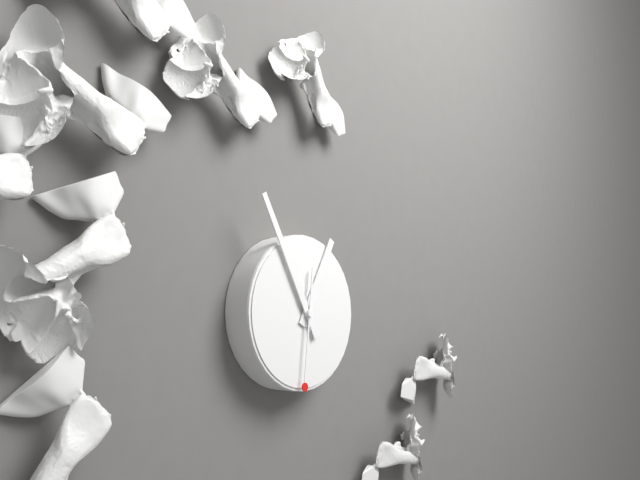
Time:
12h55m31s
